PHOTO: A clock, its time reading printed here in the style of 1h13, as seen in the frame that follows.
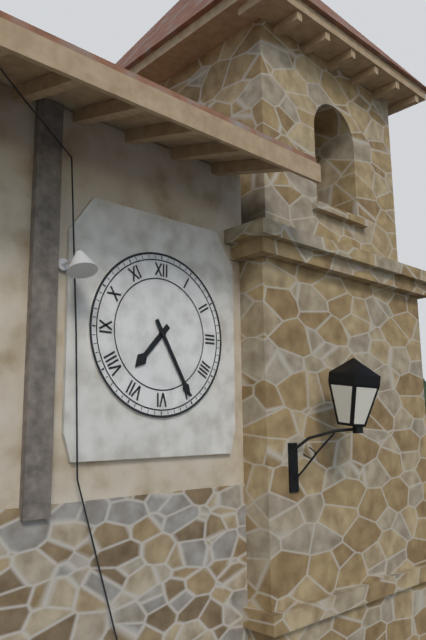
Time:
7h25
